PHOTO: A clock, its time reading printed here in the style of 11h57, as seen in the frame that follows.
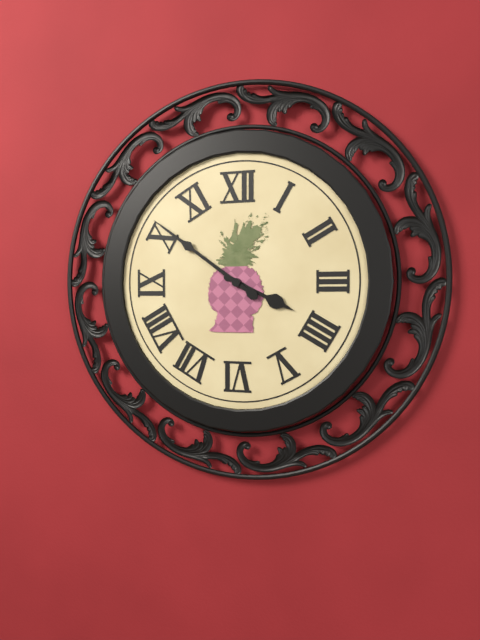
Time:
3h51
